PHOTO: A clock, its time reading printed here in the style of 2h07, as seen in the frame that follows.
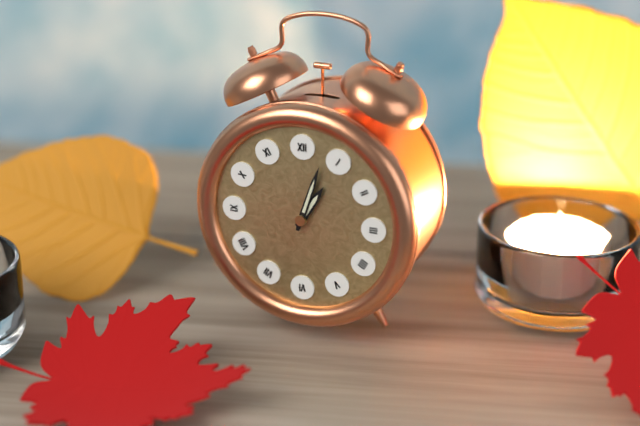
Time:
1h03
